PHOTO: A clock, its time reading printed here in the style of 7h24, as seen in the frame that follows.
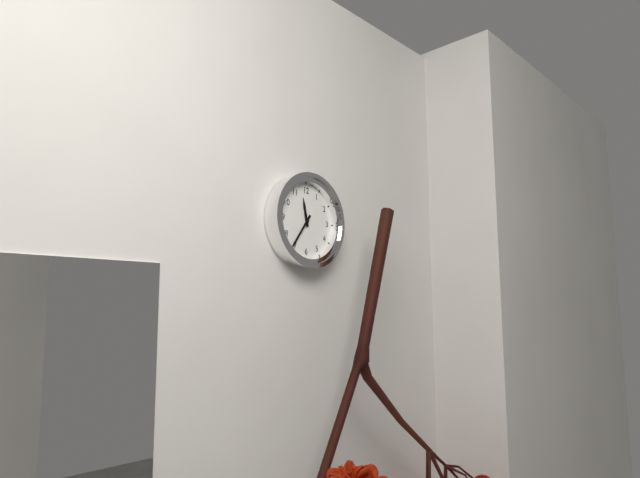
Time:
11h36
